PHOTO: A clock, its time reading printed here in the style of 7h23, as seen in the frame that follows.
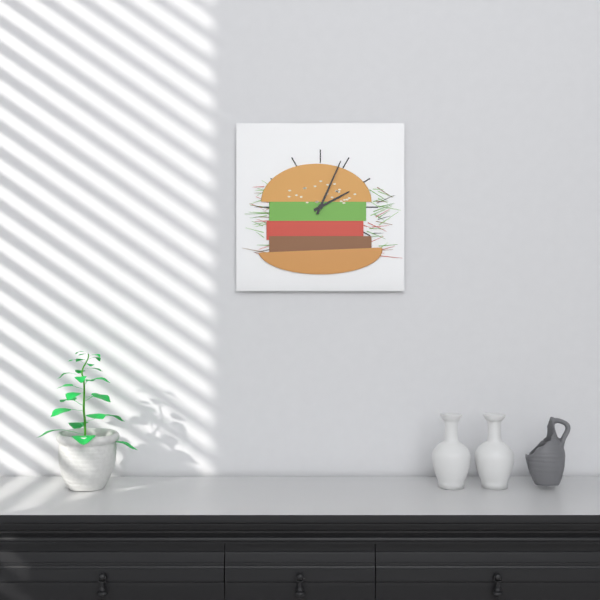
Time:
2h04
